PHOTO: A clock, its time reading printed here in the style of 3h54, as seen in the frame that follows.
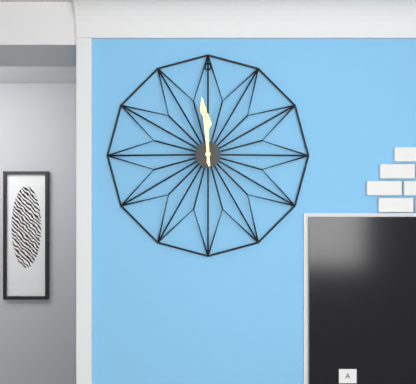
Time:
11h59
